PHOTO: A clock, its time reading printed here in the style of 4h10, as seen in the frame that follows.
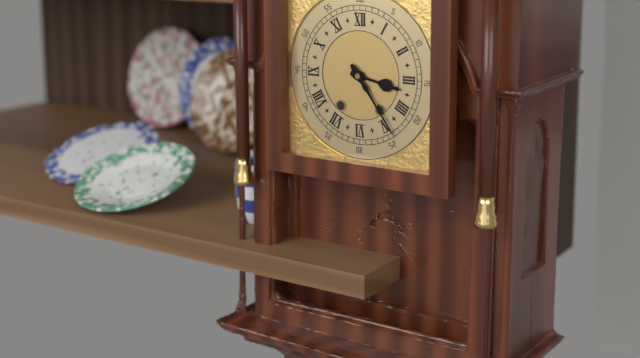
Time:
3h24
